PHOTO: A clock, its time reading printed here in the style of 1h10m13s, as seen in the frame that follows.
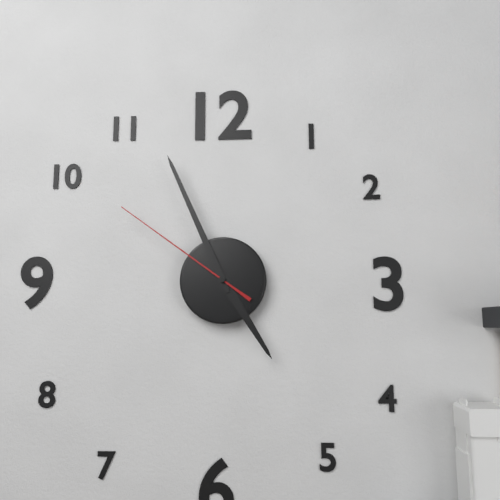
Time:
4h56m51s
